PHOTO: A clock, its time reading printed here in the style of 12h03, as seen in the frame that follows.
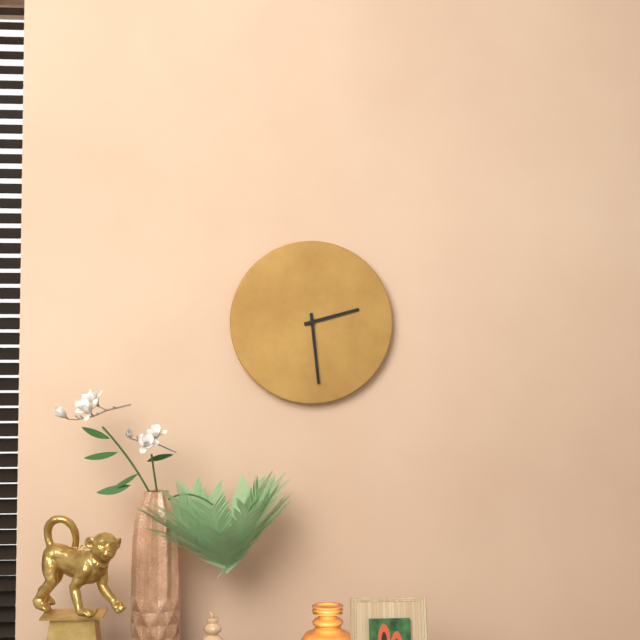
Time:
2h29
